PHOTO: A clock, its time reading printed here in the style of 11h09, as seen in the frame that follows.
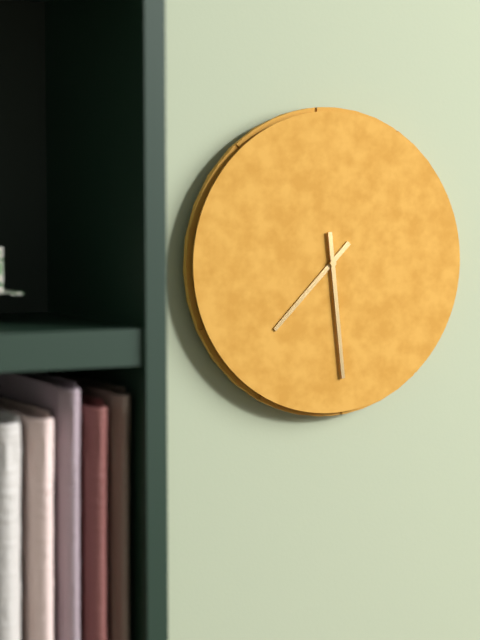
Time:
7h29
